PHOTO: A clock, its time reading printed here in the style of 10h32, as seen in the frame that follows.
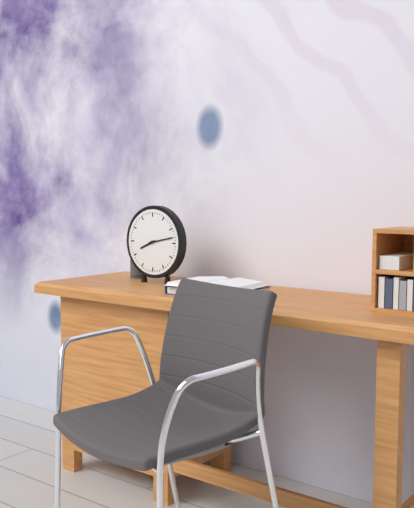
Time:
8h13
